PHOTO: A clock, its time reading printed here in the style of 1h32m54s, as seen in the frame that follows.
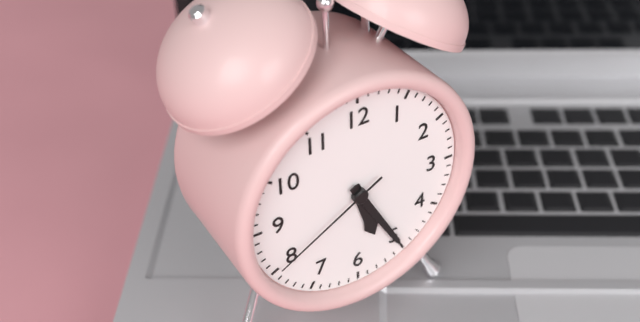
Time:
5h25m40s
